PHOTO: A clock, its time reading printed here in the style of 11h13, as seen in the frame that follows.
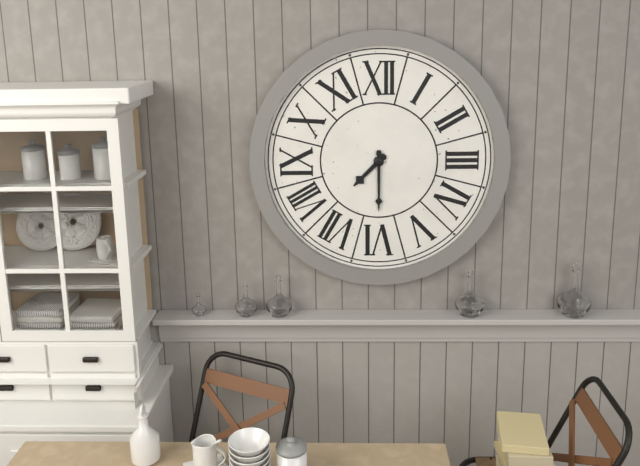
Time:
7h30
